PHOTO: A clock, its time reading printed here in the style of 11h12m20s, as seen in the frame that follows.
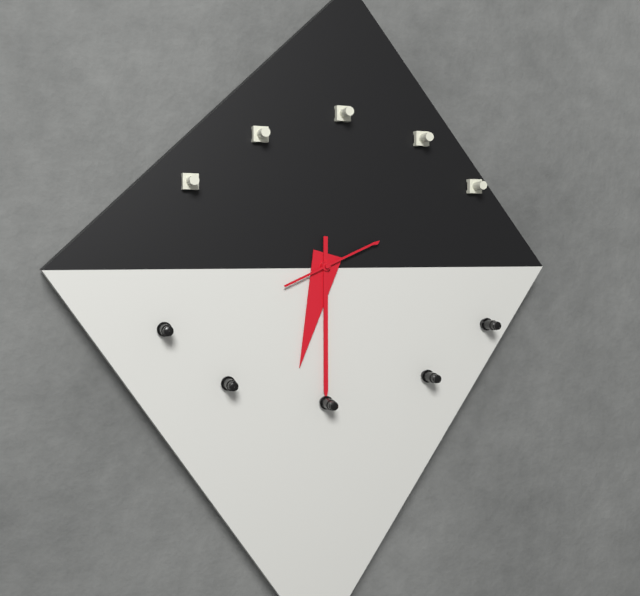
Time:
6h30m11s
